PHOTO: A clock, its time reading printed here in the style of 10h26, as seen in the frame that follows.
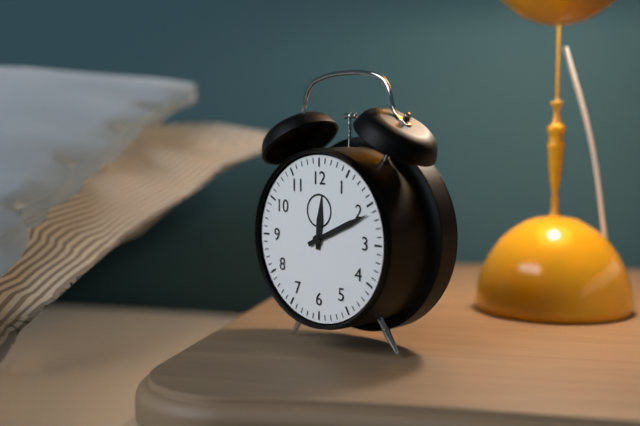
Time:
12h11
